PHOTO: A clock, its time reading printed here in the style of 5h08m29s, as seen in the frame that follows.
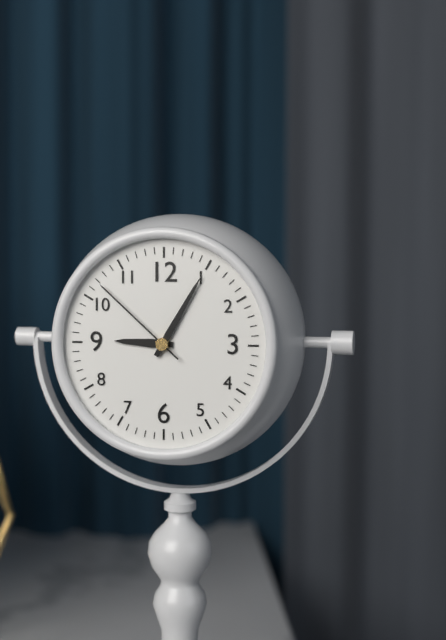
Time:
9h05m52s
